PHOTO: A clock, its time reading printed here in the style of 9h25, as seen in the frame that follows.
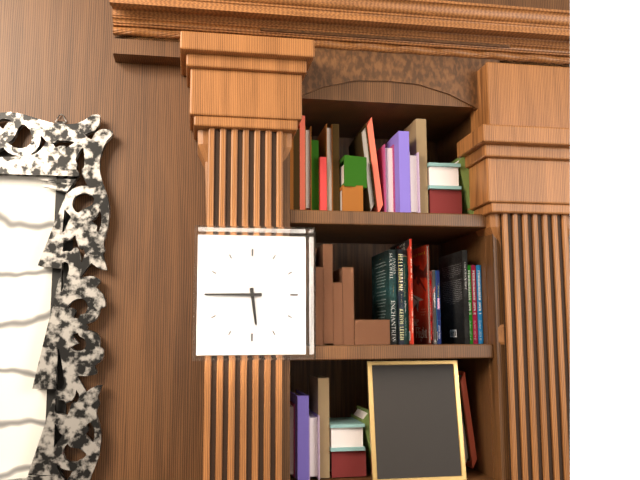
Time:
5h45
